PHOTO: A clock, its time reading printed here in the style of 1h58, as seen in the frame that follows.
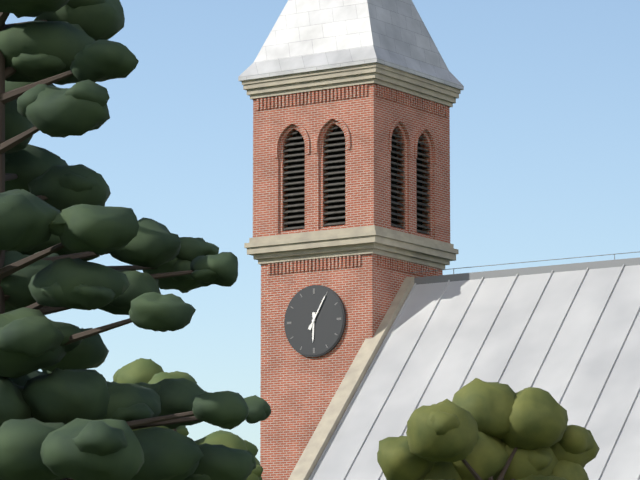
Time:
6h05
